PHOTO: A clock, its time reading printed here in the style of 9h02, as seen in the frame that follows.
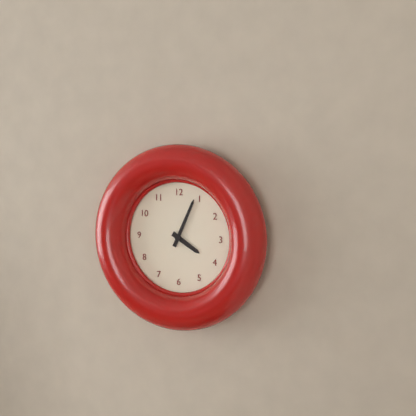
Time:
4h04
